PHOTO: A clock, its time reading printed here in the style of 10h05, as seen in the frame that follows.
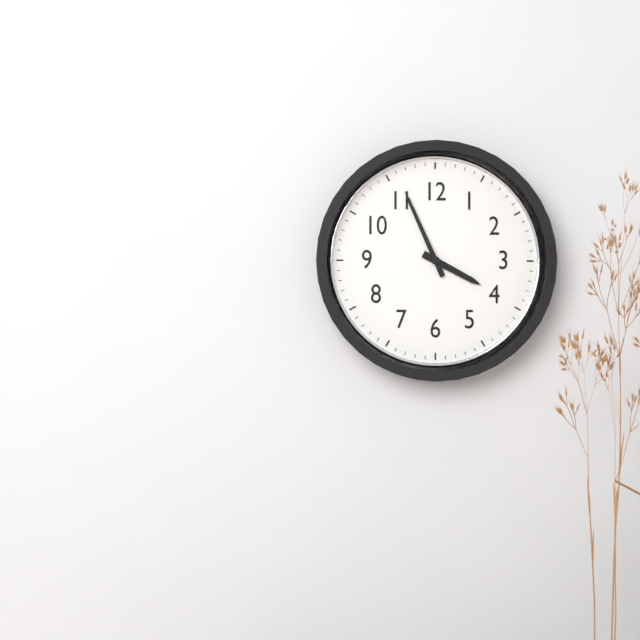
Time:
3h56
